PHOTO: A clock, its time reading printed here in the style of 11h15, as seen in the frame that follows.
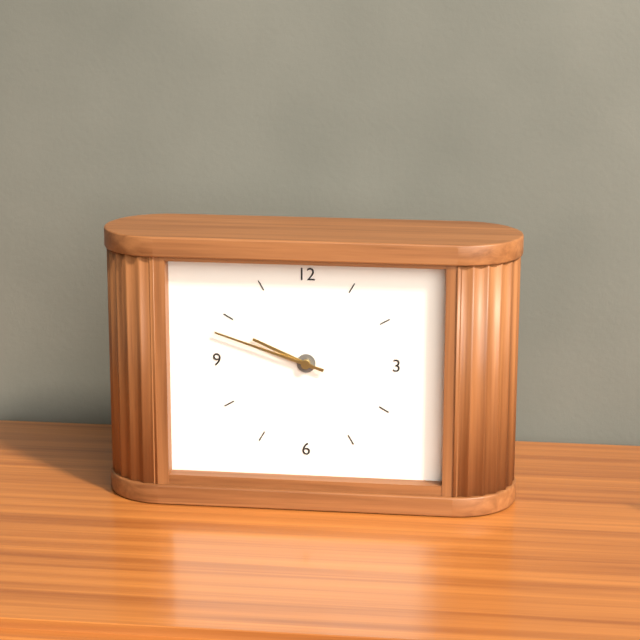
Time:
9h48
